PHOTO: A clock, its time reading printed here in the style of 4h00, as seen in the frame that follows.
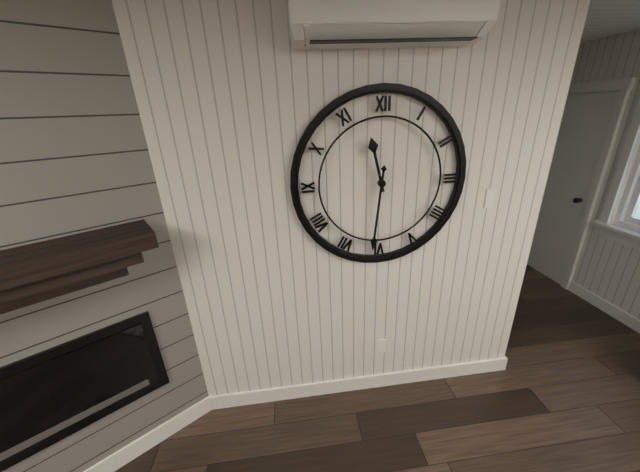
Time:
11h31
